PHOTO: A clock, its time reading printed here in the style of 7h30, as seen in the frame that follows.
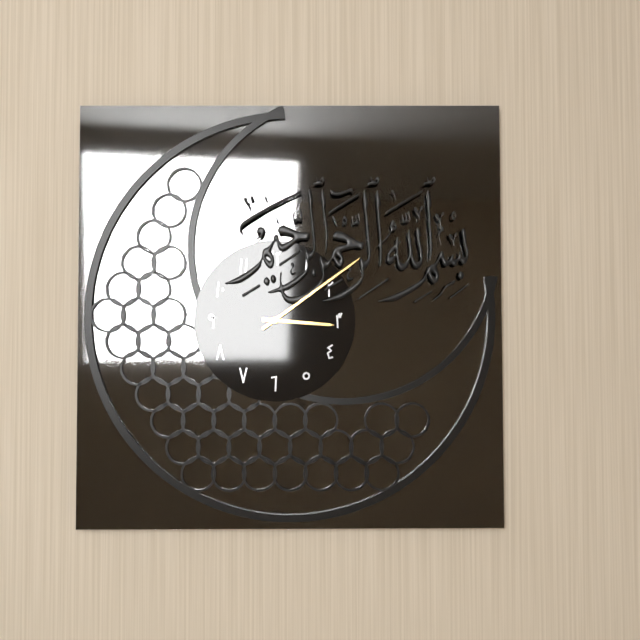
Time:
3h09
